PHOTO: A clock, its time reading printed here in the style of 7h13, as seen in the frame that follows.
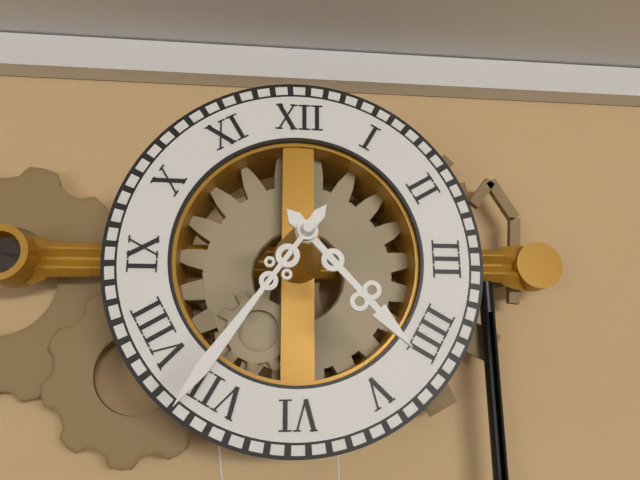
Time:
4h36
